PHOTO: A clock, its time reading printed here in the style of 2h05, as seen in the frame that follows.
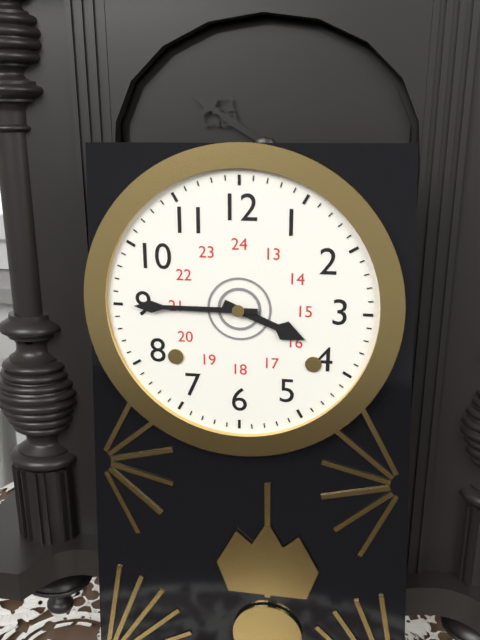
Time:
3h45
